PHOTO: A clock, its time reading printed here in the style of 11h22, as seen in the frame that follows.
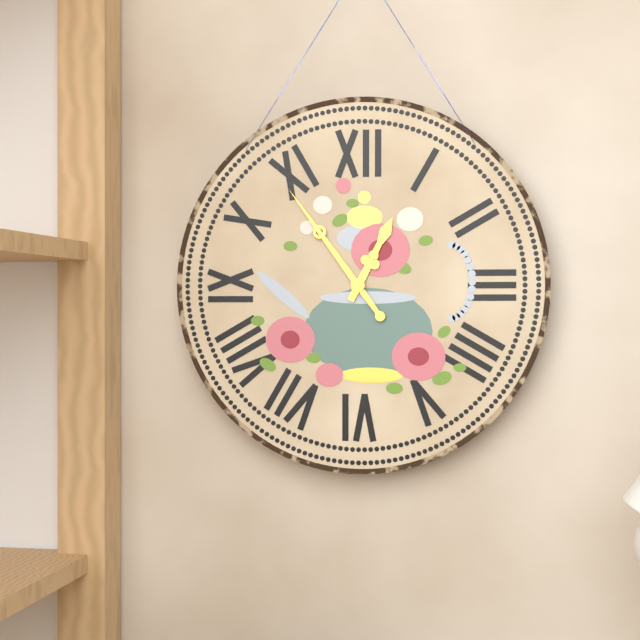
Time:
12h54
